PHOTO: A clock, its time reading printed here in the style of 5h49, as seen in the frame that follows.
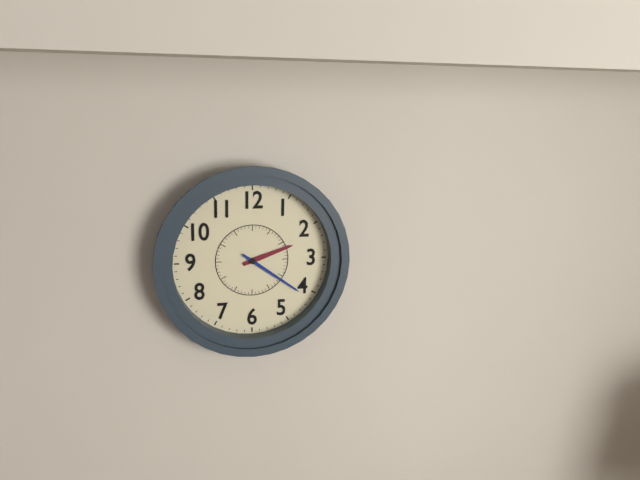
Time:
2h21
